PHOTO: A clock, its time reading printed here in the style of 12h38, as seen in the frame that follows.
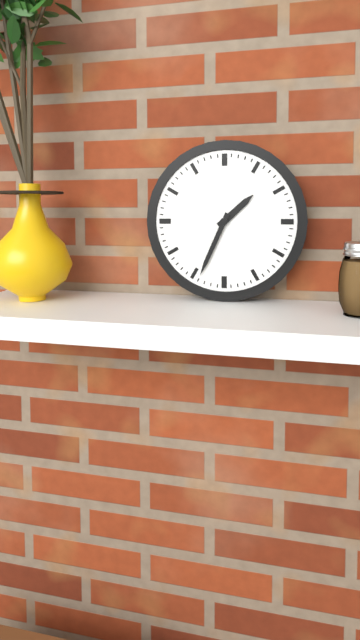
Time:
1h34
